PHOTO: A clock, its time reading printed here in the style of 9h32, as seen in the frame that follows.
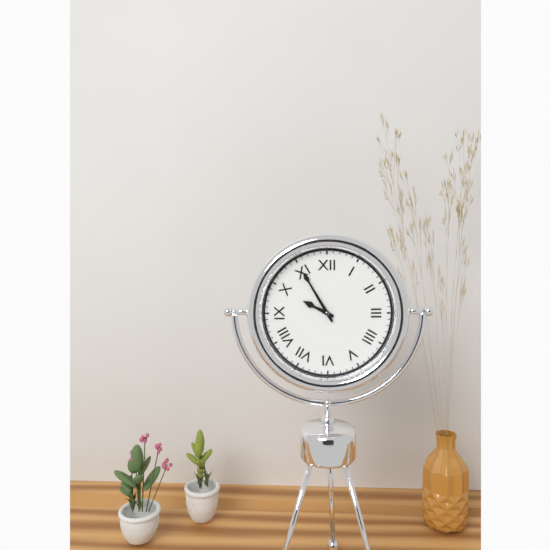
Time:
9h55
